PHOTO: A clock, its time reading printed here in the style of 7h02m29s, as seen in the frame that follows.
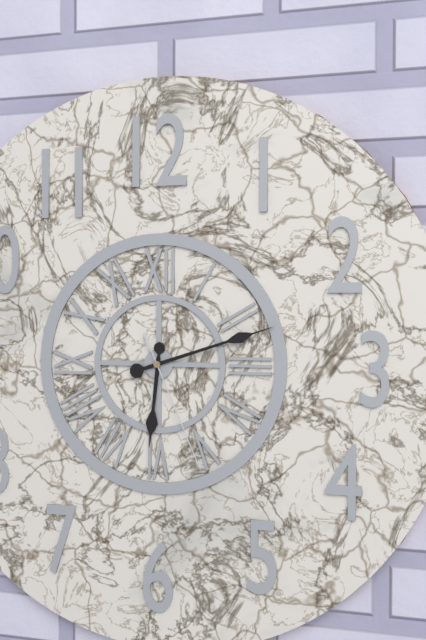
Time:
6h12m26s
